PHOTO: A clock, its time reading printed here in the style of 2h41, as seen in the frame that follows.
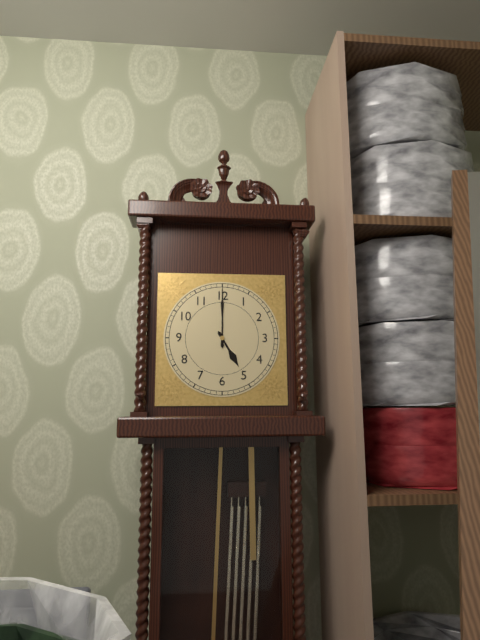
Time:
5h00
